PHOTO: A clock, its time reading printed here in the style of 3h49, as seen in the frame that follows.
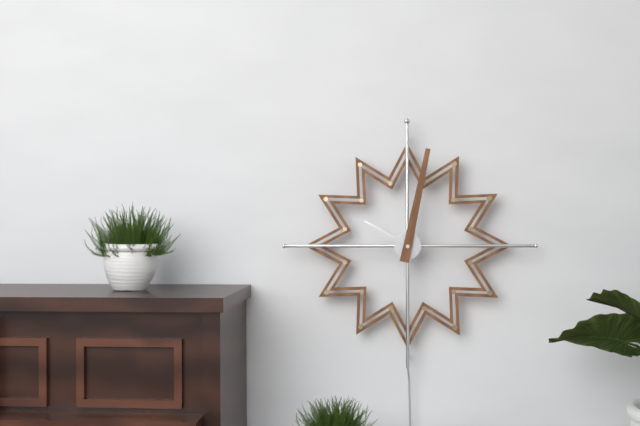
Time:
10h02
